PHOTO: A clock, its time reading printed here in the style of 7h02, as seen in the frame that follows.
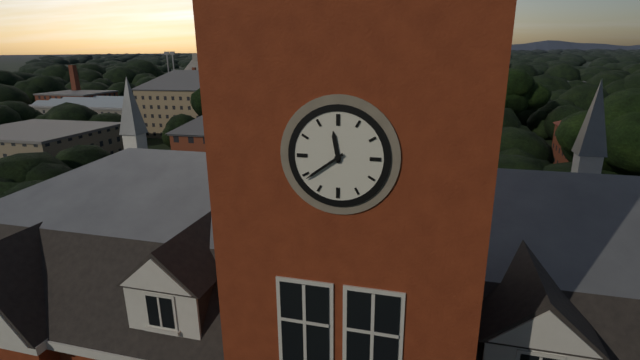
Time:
11h39
